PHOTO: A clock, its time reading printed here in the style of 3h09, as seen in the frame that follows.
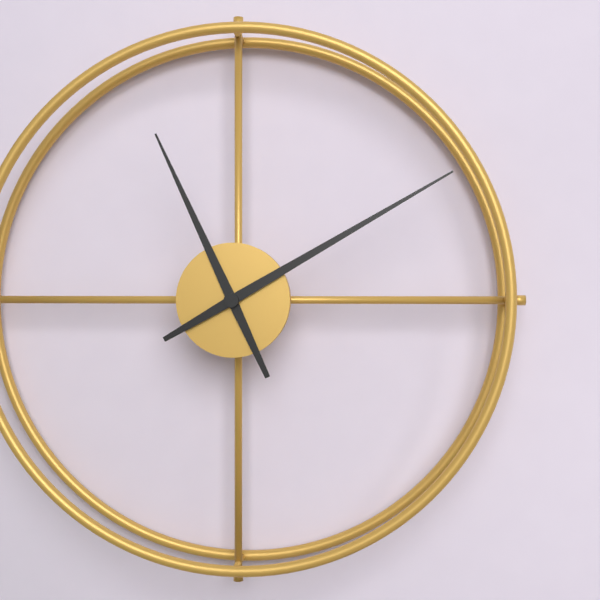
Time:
11h10
